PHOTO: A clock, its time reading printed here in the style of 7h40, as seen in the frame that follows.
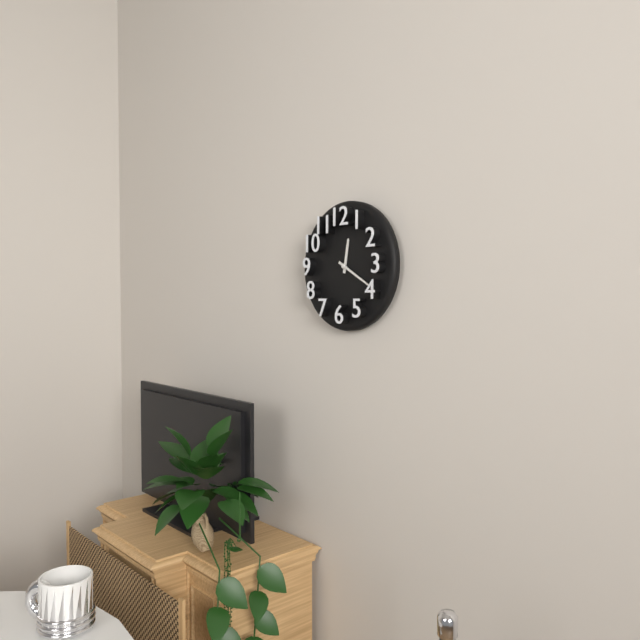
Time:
12h20
